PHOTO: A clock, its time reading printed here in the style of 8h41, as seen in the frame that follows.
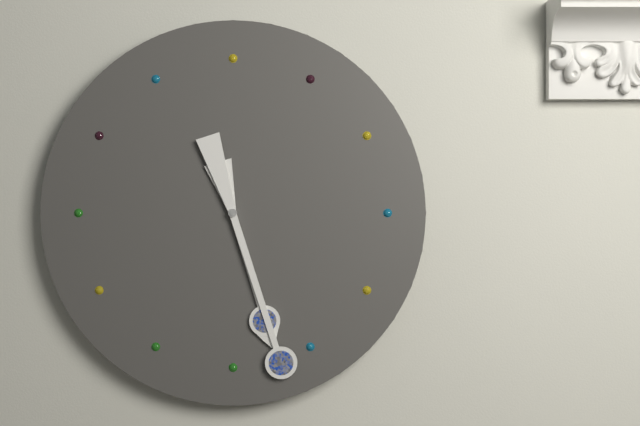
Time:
5h27
